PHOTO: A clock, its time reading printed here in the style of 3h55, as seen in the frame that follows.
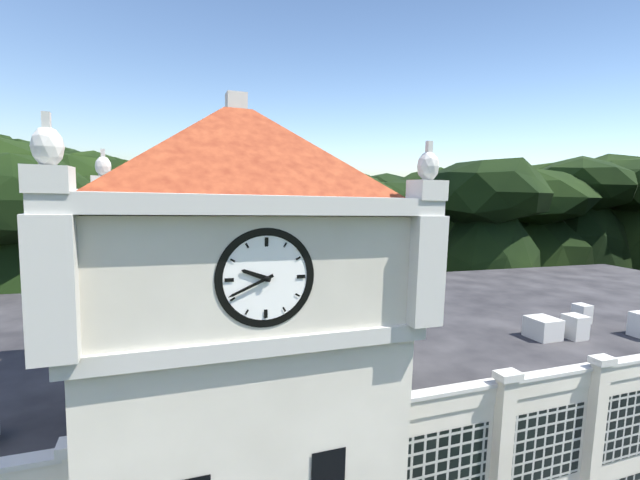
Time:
9h41
